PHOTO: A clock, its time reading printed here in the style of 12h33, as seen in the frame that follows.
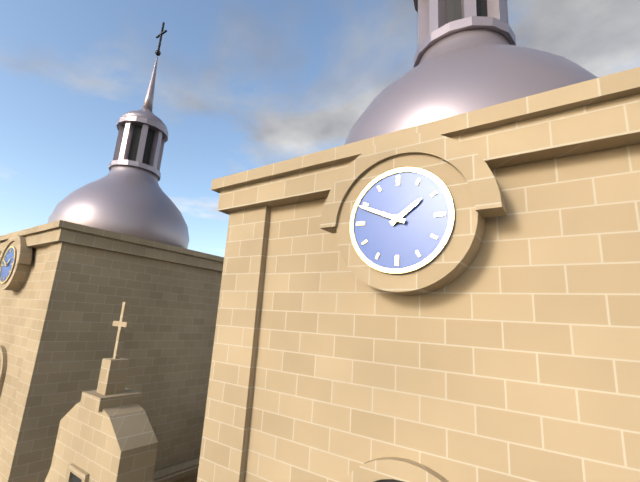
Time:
1h49
